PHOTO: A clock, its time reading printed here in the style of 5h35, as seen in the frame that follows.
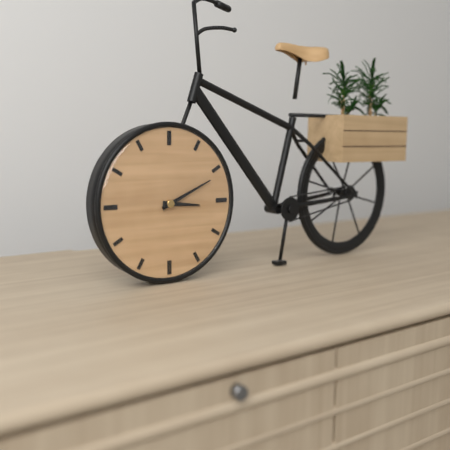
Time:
3h11
